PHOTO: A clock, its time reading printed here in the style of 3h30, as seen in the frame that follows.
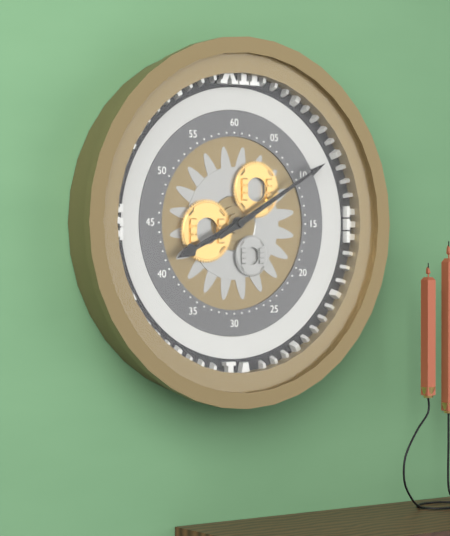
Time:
8h10
